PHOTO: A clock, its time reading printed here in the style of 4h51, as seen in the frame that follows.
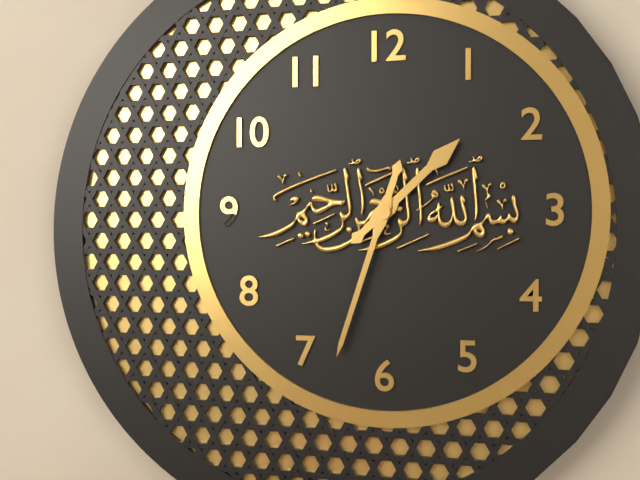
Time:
1h33
